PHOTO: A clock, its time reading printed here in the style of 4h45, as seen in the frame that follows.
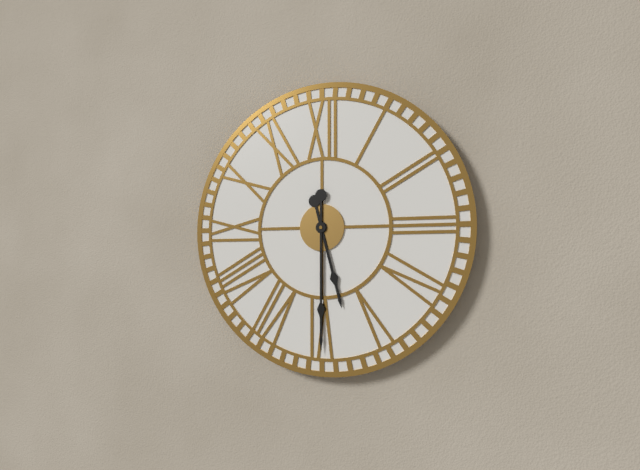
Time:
5h30
